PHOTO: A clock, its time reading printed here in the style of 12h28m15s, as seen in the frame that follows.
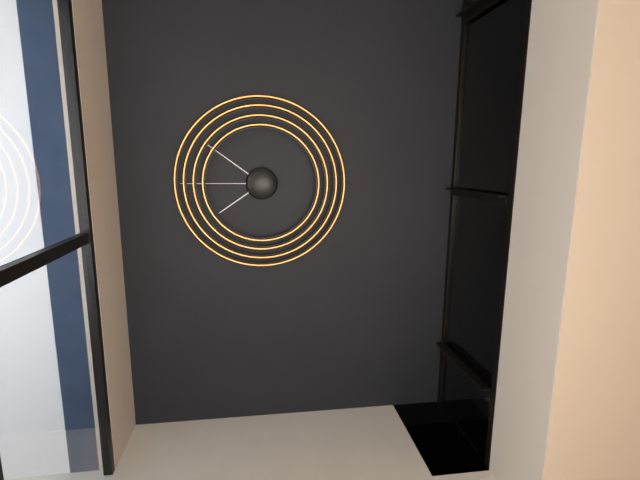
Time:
7h51m45s
